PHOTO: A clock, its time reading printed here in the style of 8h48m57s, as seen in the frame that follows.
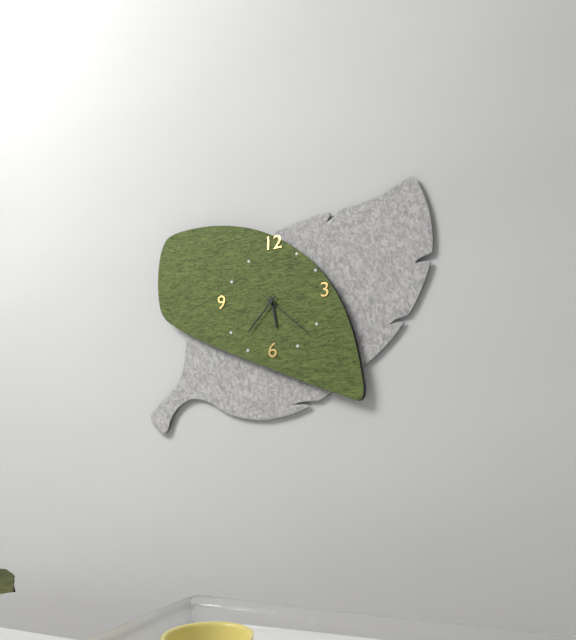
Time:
5h37m22s
